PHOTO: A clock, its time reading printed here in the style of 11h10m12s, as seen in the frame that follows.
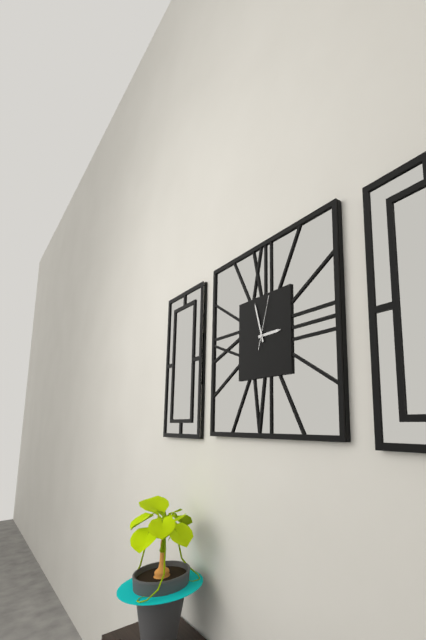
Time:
2h57m03s
